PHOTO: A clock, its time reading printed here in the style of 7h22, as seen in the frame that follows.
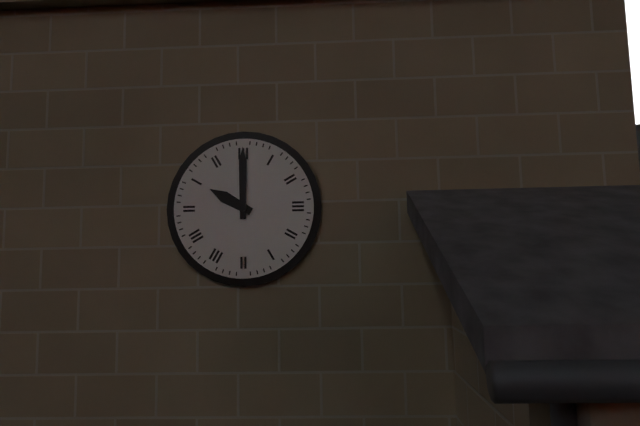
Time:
10h00
